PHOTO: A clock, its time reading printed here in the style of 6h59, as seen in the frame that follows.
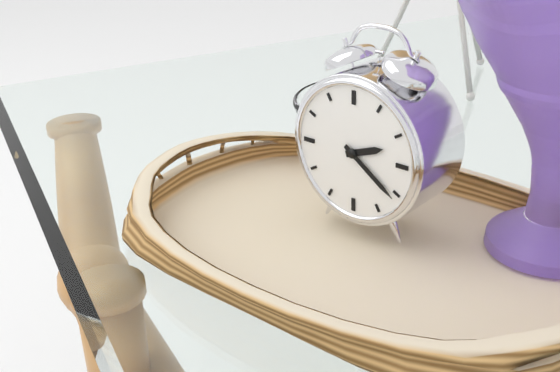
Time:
2h21
